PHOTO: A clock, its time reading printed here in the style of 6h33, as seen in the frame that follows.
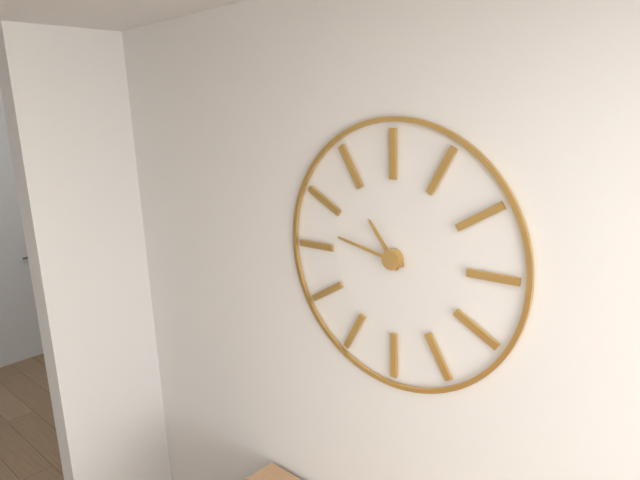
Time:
10h47
